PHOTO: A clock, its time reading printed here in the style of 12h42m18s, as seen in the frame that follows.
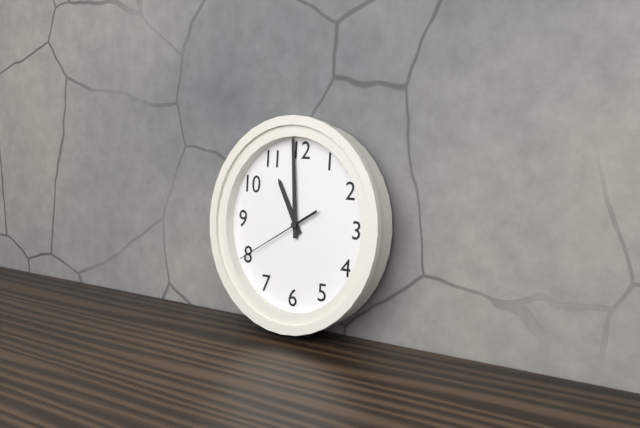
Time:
10h59m40s
